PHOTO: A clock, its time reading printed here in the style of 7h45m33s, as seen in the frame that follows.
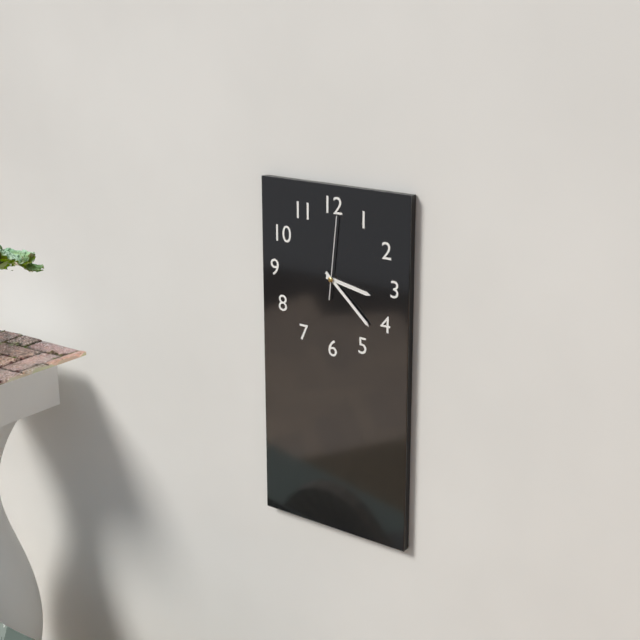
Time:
3h22m01s
